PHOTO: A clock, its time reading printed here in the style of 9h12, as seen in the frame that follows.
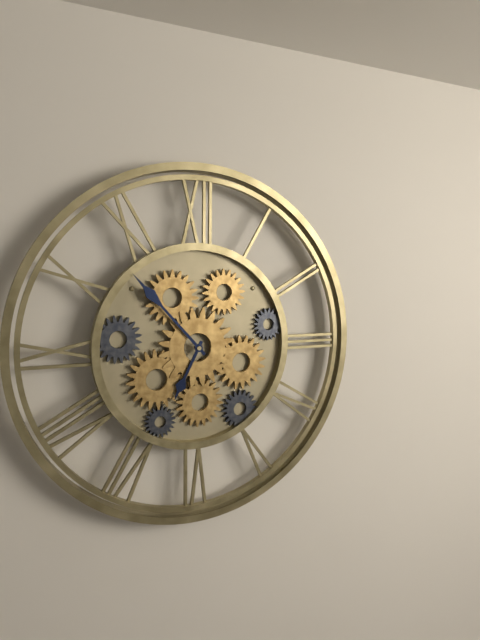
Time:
6h53
